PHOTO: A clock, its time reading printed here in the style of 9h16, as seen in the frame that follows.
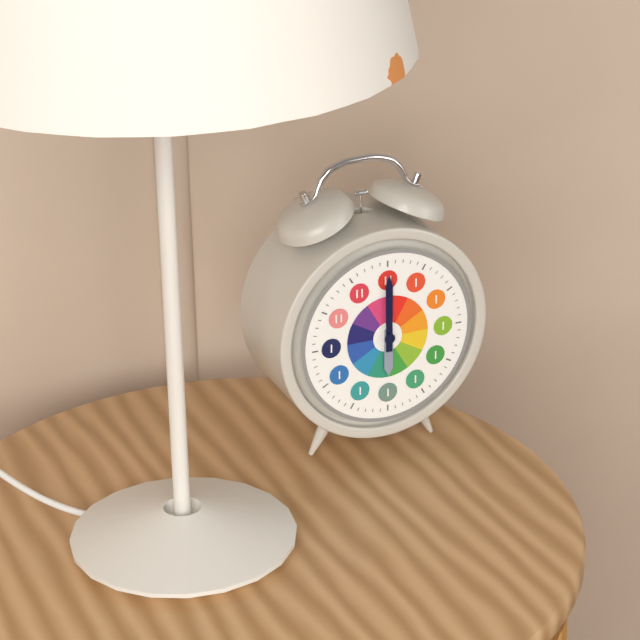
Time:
6h00
